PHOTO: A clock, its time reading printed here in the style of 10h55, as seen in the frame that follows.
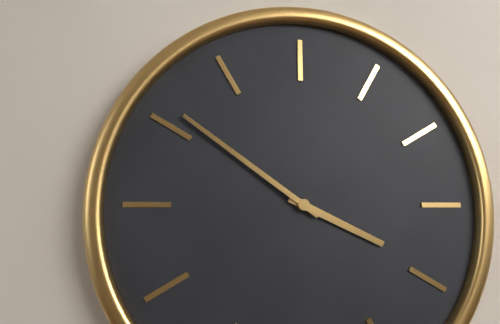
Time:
3h51
